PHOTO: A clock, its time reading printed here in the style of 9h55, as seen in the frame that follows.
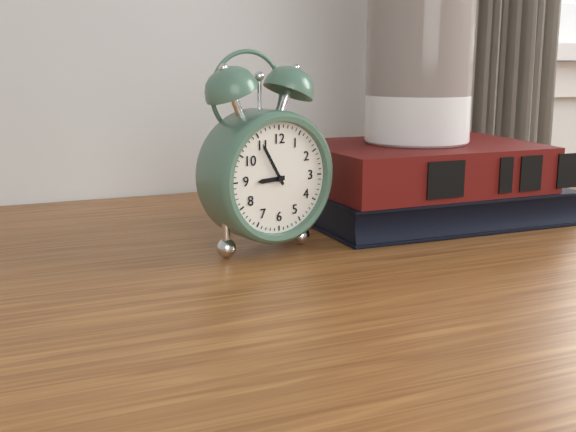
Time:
8h55
